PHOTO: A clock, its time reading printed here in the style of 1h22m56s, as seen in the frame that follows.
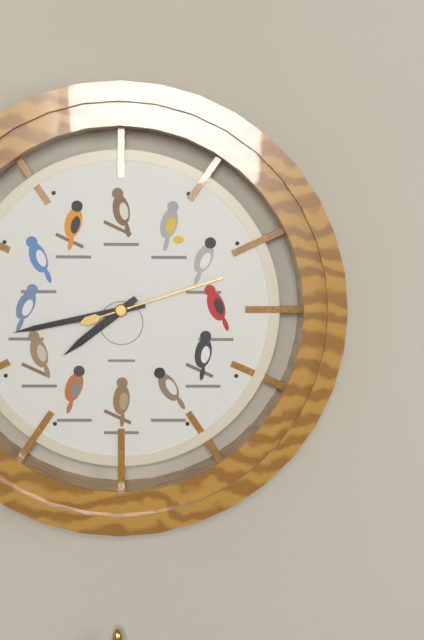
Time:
7h43m12s
